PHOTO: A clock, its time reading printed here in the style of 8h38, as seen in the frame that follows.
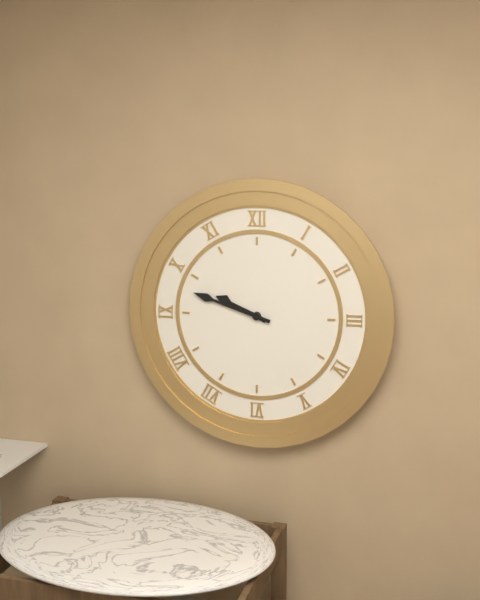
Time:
9h48
